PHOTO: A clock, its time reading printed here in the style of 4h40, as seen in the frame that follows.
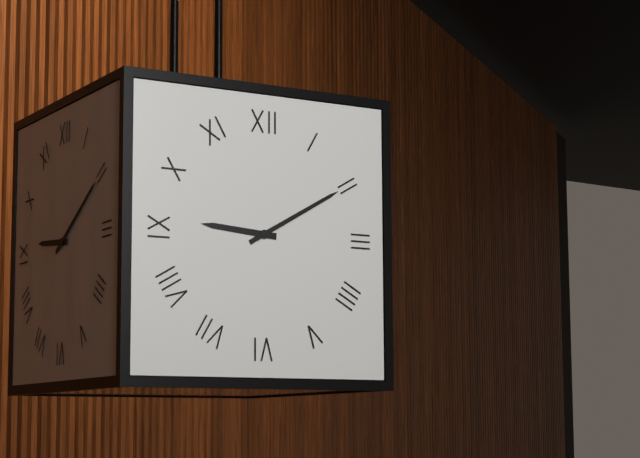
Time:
9h10
